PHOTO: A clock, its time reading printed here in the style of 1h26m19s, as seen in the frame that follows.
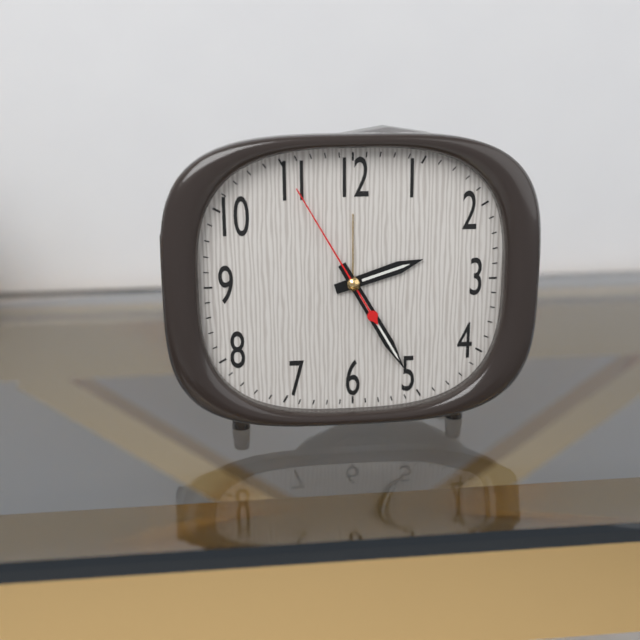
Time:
2h25m55s
